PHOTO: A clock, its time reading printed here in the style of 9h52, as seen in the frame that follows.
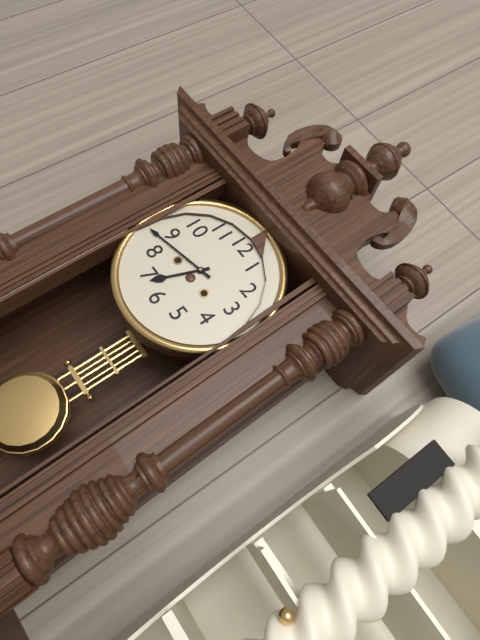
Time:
6h43
